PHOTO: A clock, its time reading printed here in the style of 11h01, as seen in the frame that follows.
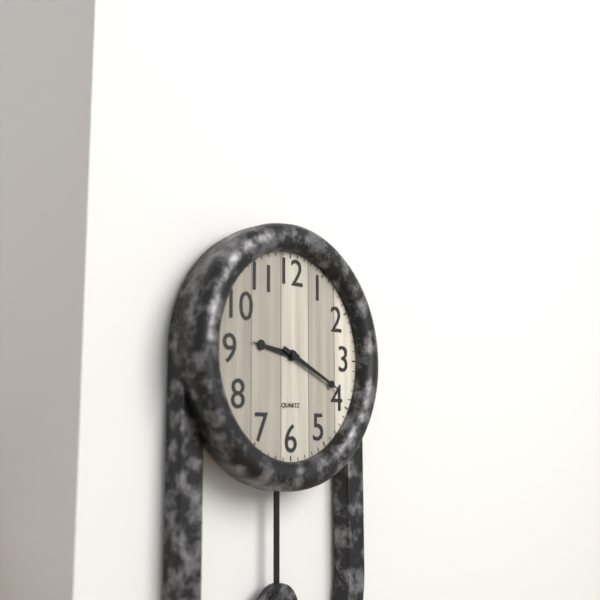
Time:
9h19
